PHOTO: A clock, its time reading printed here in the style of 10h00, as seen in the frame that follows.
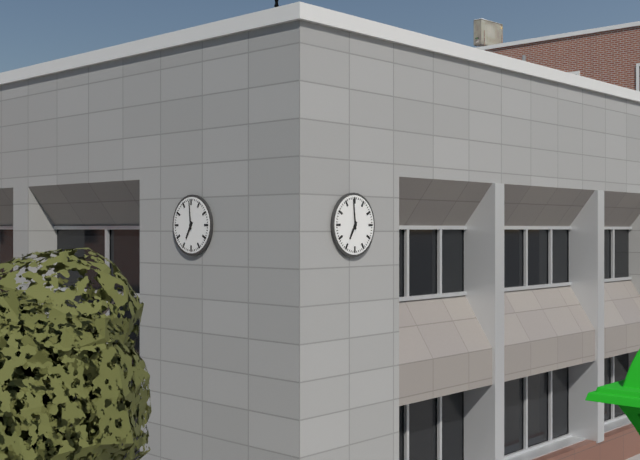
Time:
6h59
